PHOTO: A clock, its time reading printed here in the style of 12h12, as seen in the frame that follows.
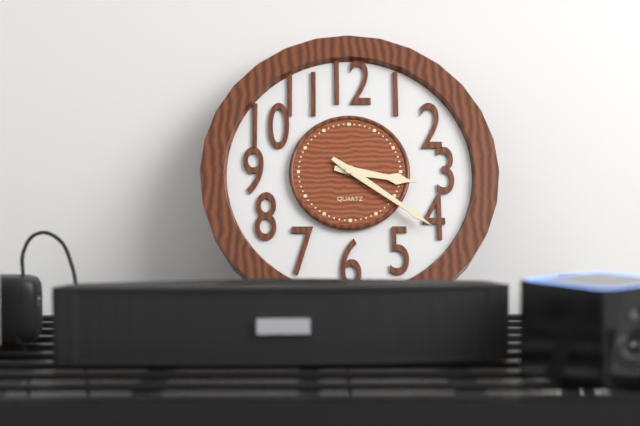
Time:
3h21
